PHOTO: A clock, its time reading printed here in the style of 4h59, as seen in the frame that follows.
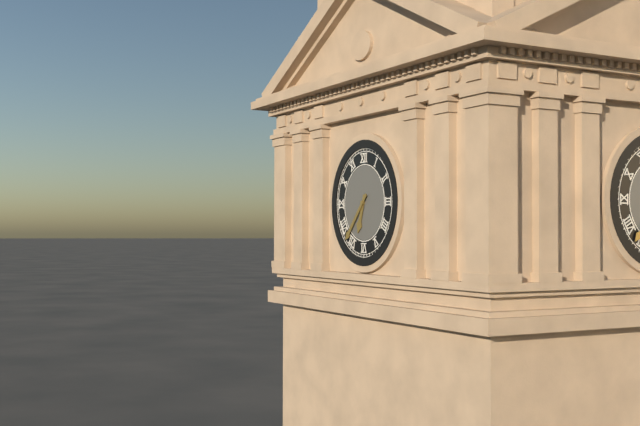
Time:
6h37
